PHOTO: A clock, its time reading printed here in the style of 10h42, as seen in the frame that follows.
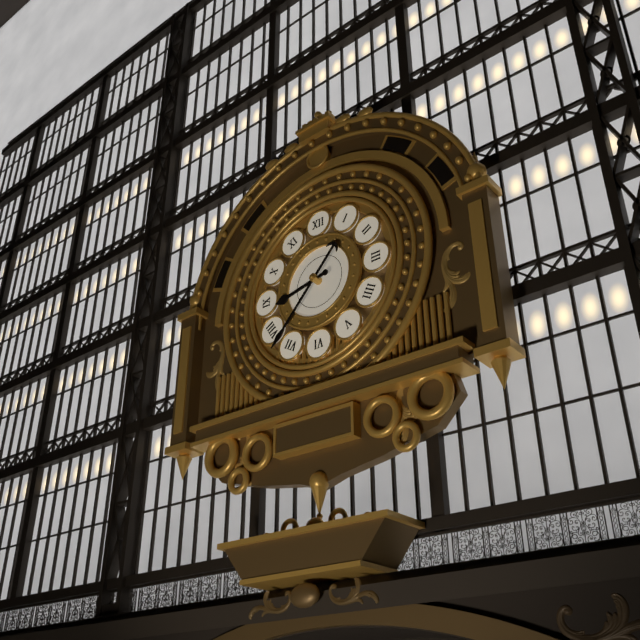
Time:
8h37
